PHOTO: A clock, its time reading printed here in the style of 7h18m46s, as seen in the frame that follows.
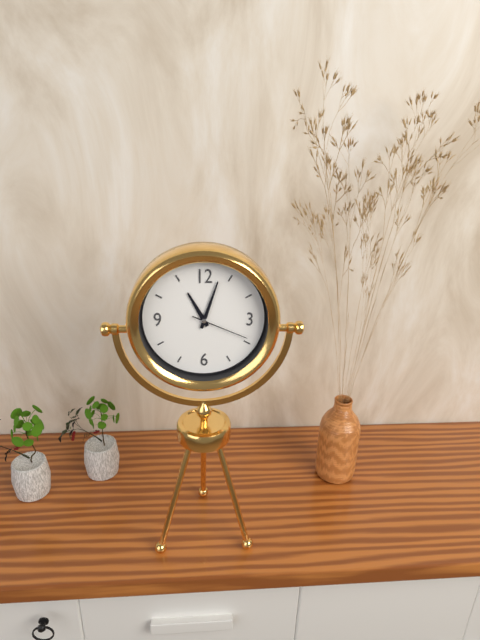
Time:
11h03m19s
